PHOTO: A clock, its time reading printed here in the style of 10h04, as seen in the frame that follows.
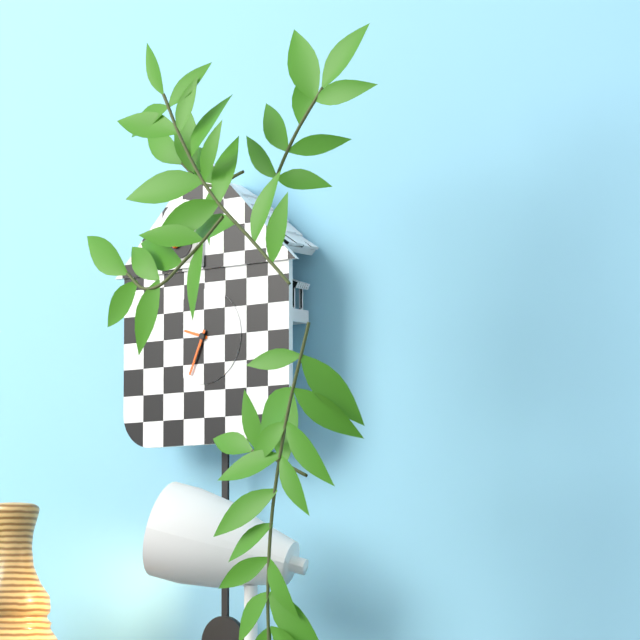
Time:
9h34
